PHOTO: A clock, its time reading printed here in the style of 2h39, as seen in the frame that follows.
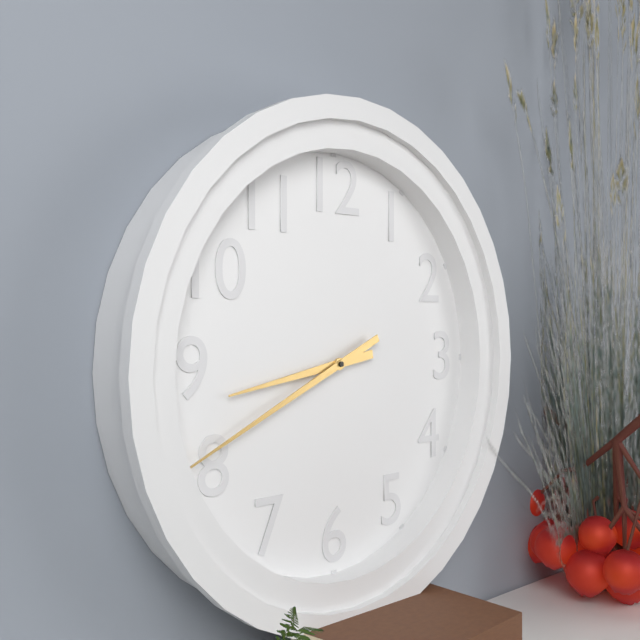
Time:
8h41
